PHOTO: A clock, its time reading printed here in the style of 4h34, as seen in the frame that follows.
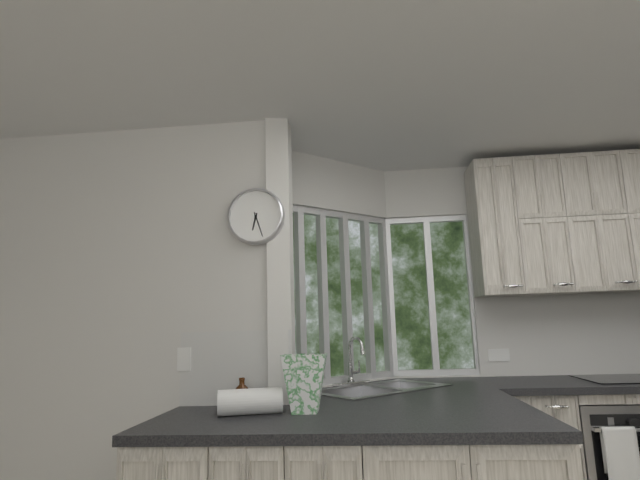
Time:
6h27
